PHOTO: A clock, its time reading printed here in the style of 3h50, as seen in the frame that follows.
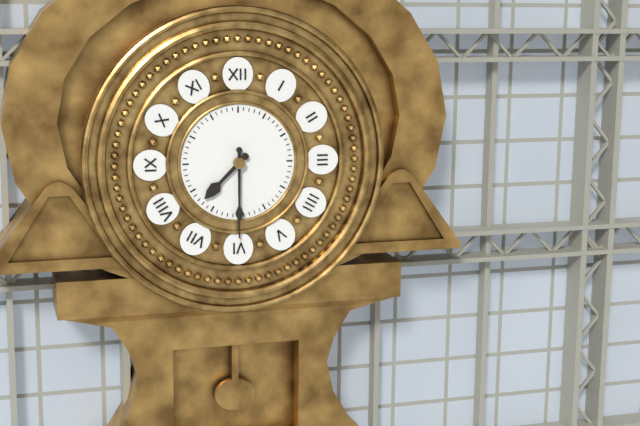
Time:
7h30
